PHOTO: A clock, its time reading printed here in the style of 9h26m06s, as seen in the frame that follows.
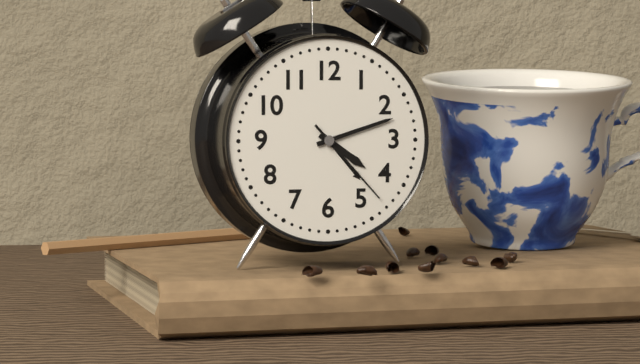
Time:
4h12m23s
